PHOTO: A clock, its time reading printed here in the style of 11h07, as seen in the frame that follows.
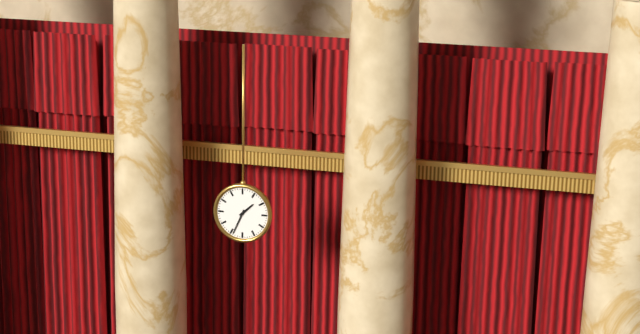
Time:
1h34
